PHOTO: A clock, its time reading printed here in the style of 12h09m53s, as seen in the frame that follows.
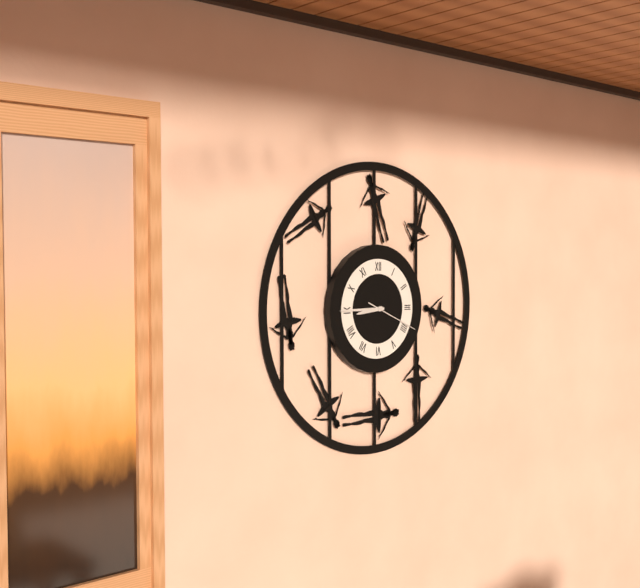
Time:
8h45m19s
